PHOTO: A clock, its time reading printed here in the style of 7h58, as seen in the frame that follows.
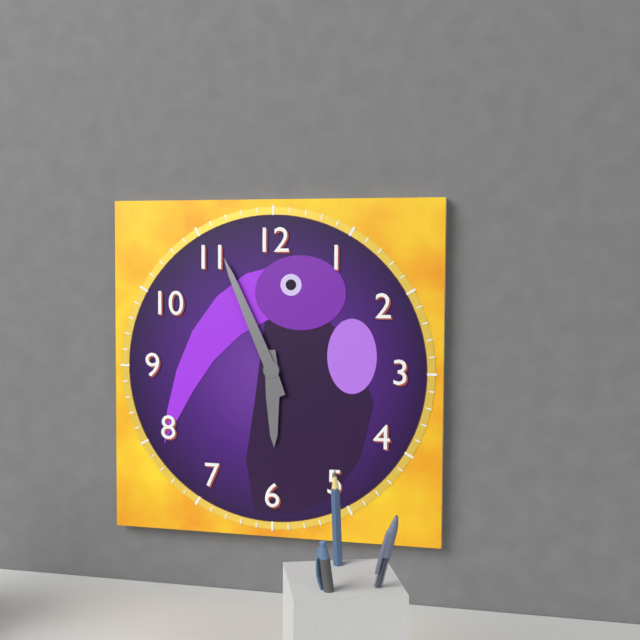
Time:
5h56
